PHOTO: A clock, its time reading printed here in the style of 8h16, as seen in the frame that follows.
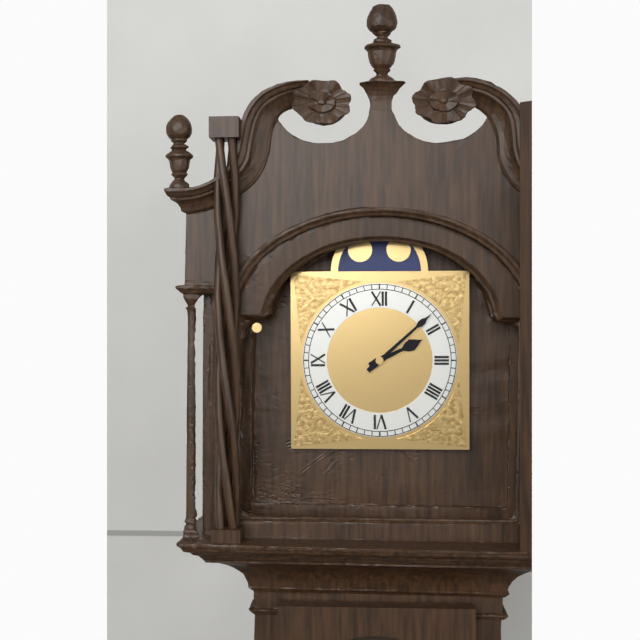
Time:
2h08
